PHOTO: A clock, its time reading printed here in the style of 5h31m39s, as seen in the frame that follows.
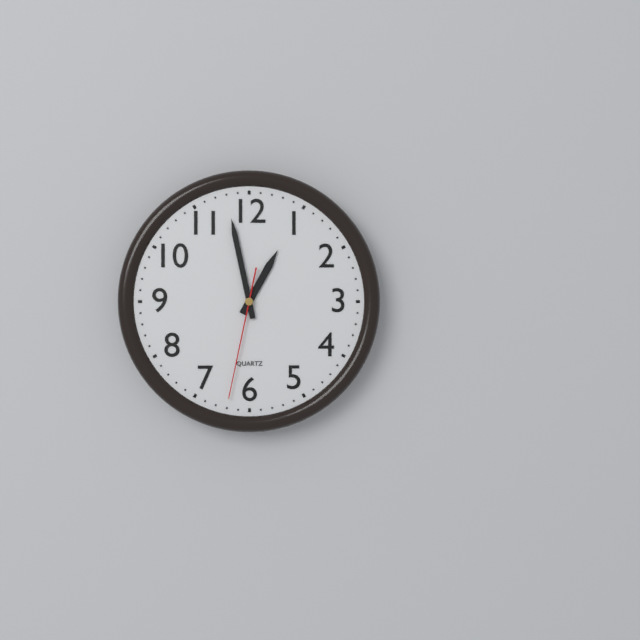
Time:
12h58m32s
